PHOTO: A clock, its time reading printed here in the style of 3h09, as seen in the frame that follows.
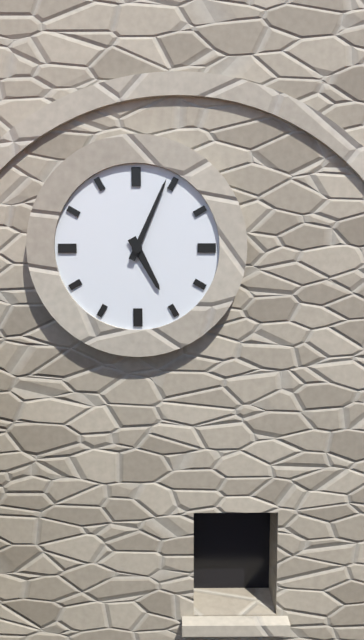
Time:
5h04
